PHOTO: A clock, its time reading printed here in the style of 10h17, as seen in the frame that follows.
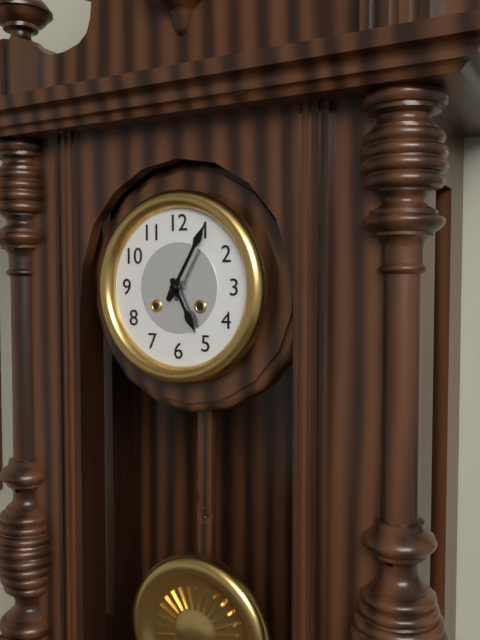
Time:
5h05
